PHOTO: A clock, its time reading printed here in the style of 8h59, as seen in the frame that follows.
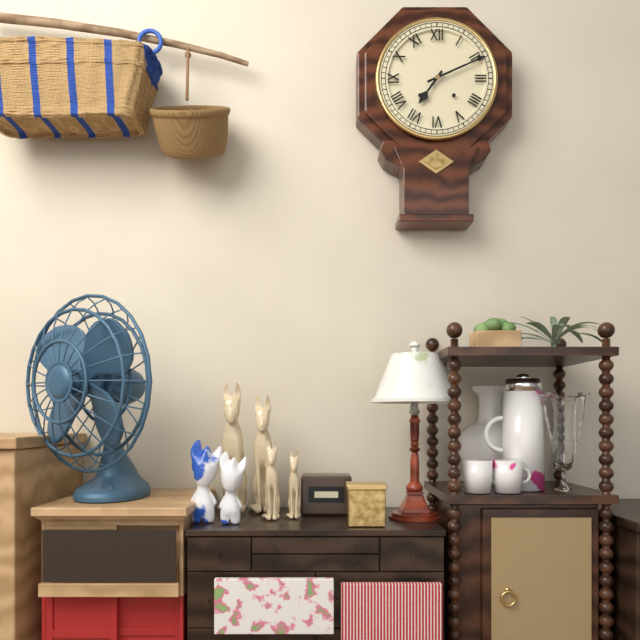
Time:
7h11
